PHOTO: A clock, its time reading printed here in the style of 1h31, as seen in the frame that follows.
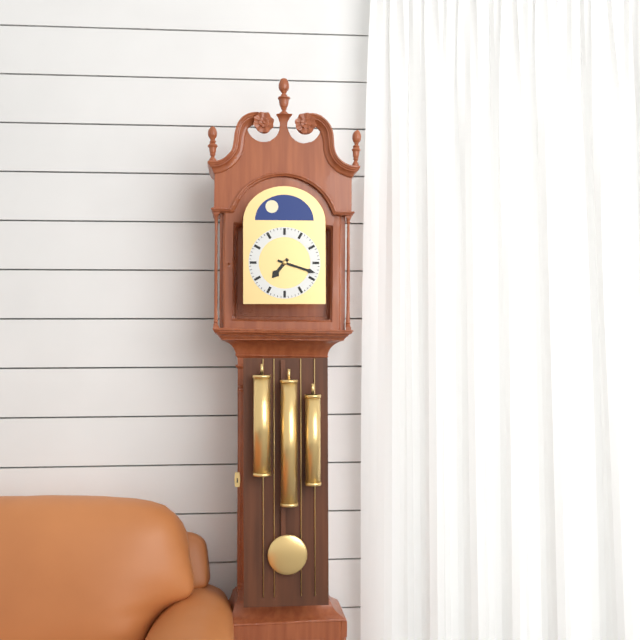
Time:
7h18
